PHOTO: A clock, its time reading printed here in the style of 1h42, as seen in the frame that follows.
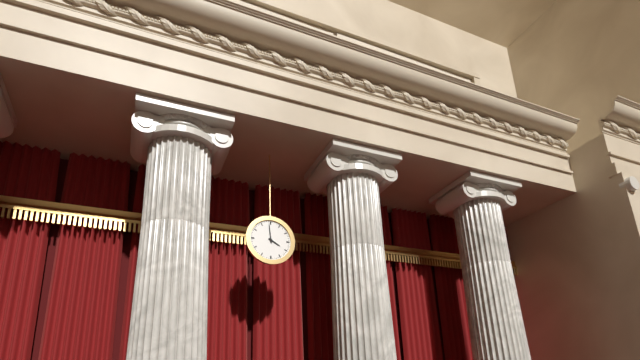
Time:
3h59
